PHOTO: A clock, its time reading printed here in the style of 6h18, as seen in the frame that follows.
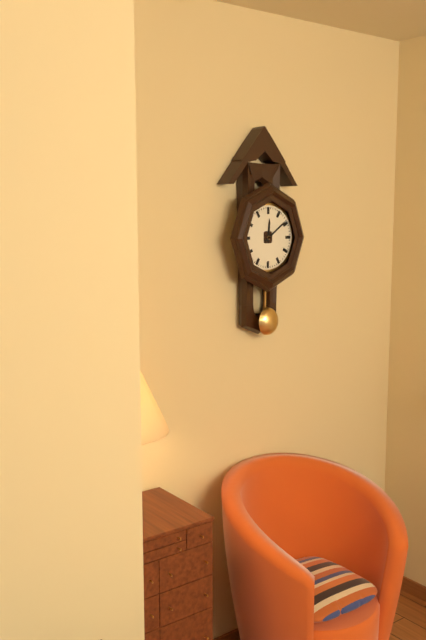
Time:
12h09
